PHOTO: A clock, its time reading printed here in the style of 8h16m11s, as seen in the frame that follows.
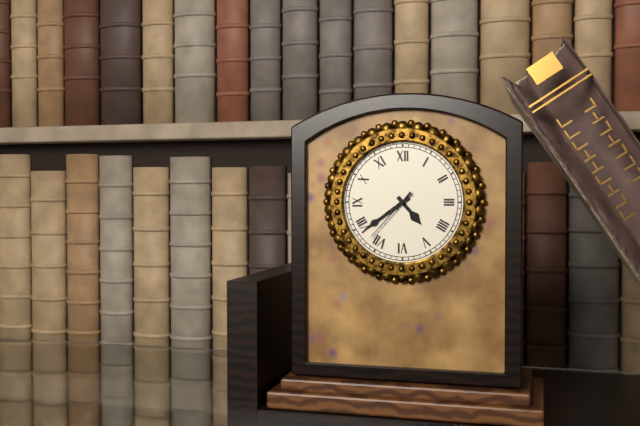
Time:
4h39m37s
